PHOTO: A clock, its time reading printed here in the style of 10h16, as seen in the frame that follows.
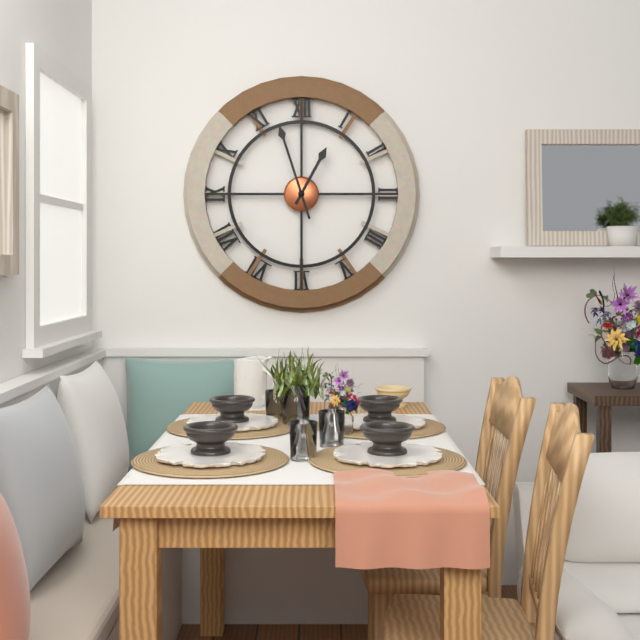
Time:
12h57
